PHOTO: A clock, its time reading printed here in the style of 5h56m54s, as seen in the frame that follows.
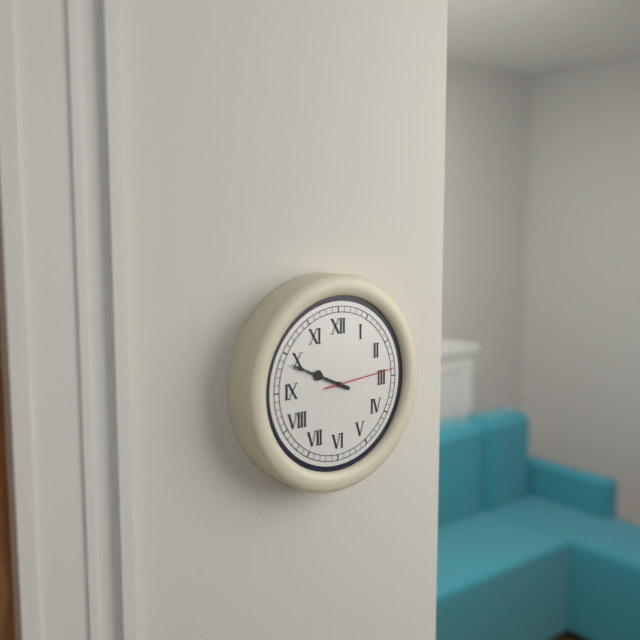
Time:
9h49m14s
